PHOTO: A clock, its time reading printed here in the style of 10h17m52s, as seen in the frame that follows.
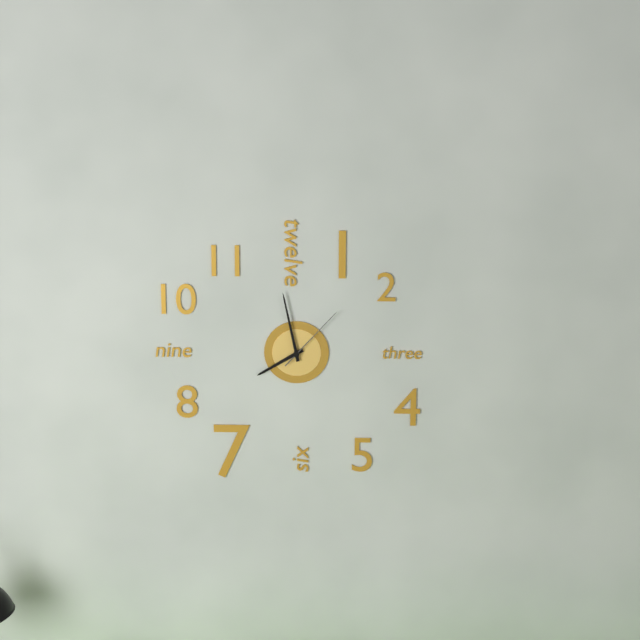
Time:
7h58m07s
